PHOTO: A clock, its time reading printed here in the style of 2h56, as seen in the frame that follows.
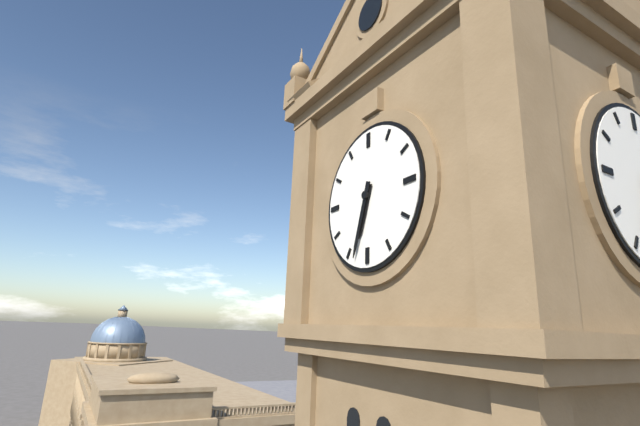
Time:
6h33
